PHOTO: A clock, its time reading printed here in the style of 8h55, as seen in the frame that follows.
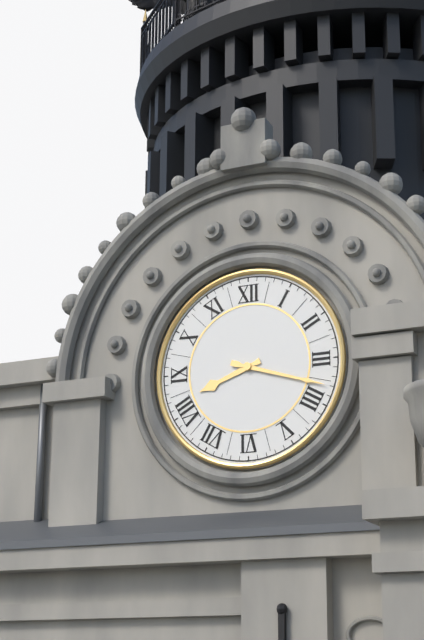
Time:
8h18
